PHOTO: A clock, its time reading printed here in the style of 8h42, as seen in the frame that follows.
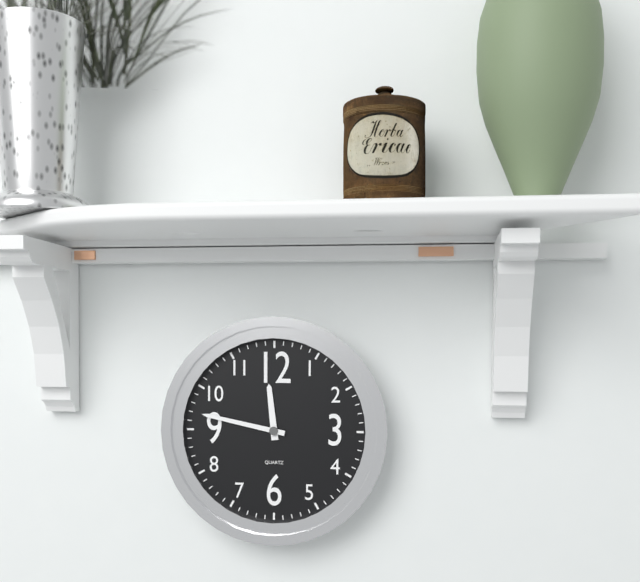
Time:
11h47
